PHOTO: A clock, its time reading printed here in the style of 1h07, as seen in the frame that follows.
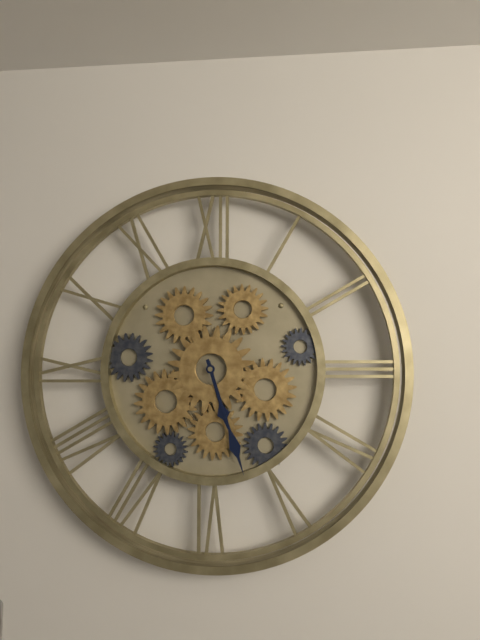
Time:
5h27
